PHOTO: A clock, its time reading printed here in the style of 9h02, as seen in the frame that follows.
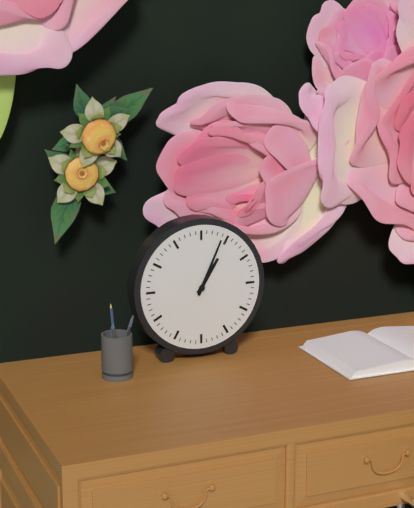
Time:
1h04
